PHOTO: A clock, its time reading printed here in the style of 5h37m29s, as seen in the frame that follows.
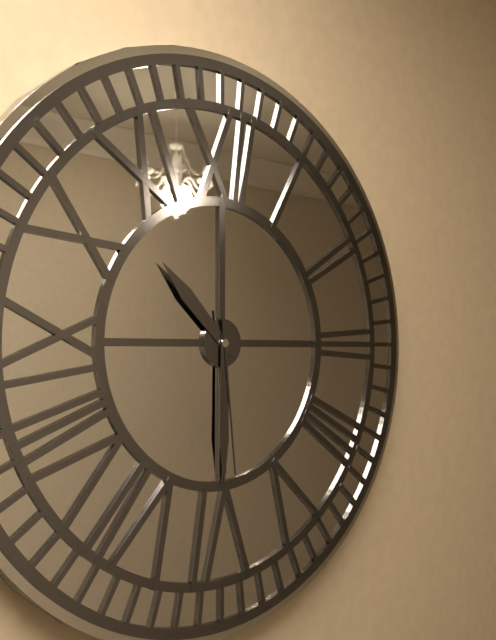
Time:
10h30m29s
